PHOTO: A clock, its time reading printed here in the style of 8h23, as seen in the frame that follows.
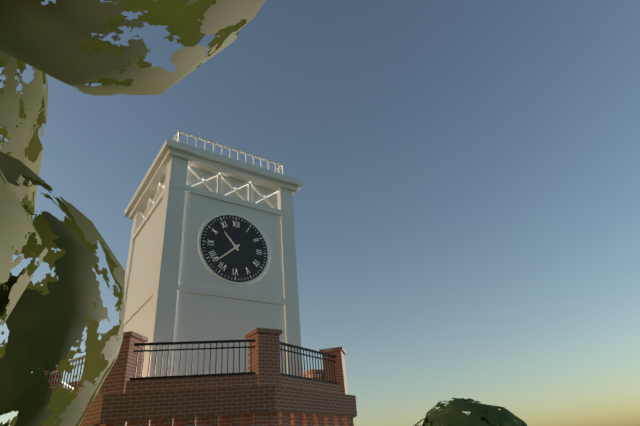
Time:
10h38
